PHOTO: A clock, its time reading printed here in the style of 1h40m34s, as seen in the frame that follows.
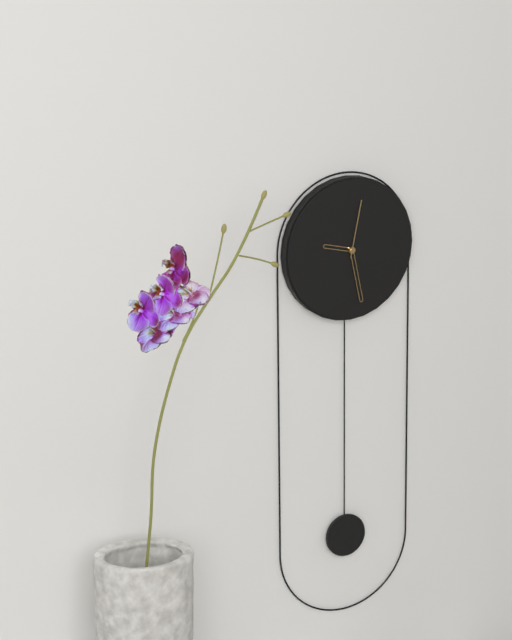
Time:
9h28m02s
